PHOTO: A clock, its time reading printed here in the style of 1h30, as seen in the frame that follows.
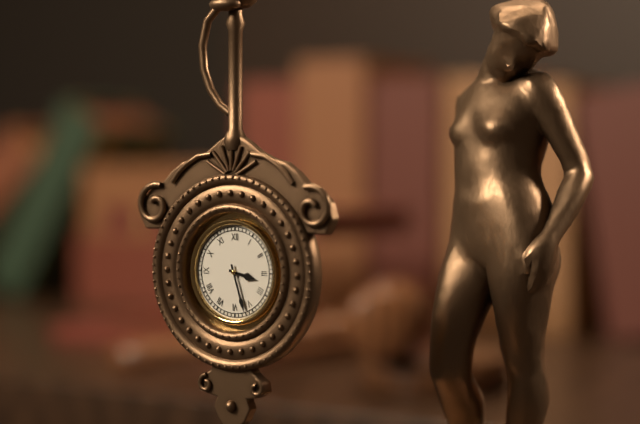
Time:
3h27
